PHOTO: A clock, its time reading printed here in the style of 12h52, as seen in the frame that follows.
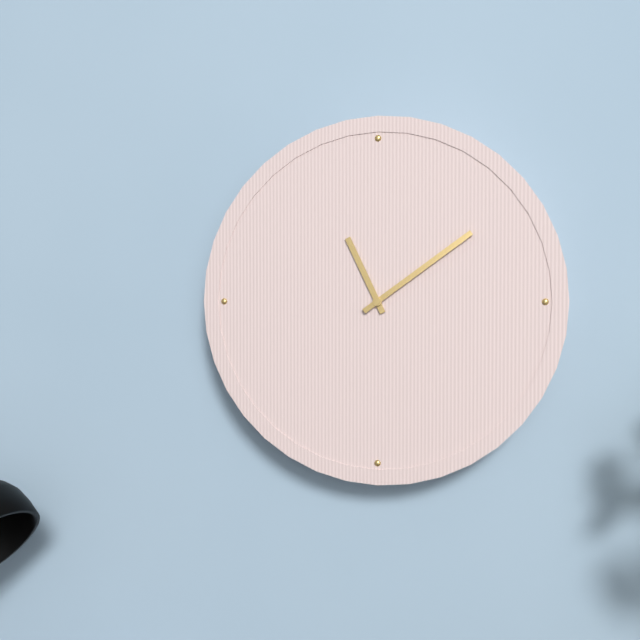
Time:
11h09
